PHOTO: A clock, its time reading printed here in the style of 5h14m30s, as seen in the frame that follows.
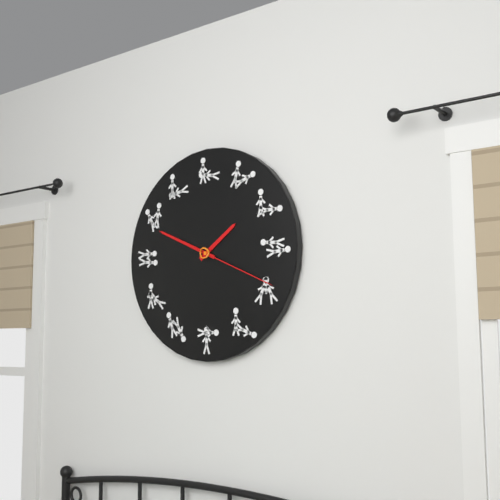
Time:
1h49m19s
